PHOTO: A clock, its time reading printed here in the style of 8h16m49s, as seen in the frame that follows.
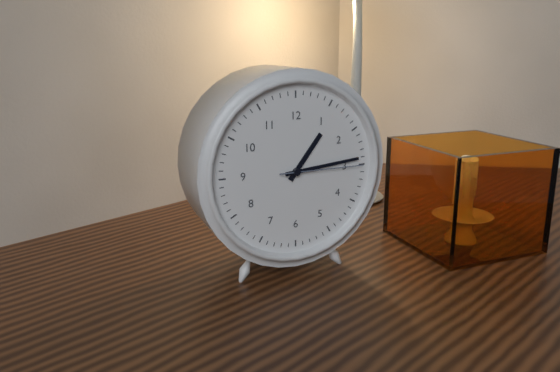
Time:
1h14m15s
